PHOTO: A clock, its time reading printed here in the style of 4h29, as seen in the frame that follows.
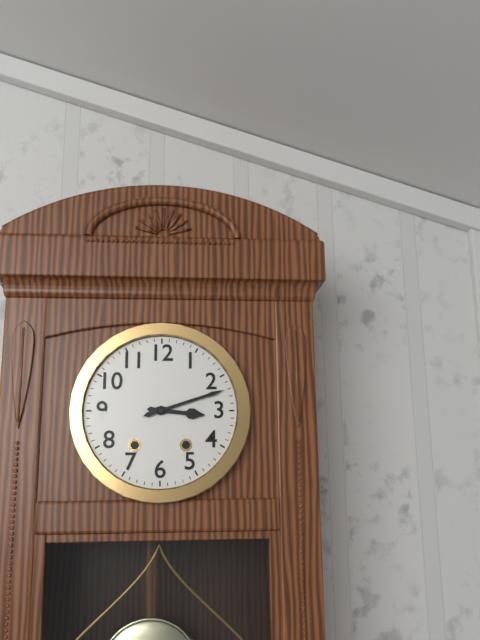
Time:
3h12
